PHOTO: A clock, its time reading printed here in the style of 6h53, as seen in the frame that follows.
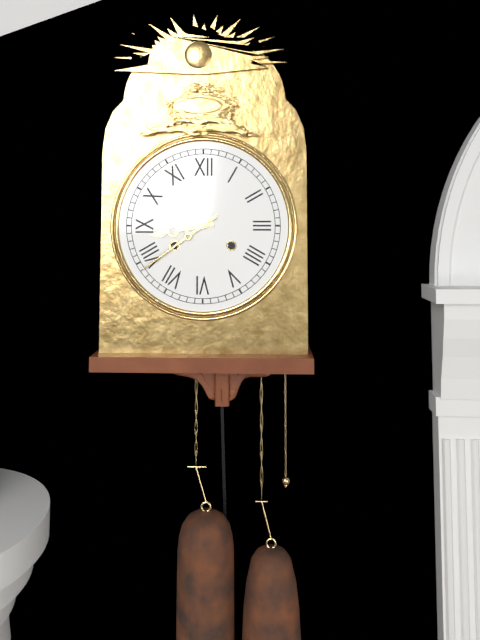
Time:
8h39
